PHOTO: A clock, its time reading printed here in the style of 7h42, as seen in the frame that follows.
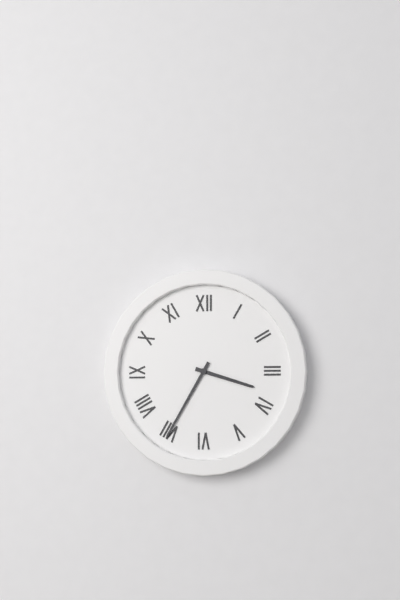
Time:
3h35
